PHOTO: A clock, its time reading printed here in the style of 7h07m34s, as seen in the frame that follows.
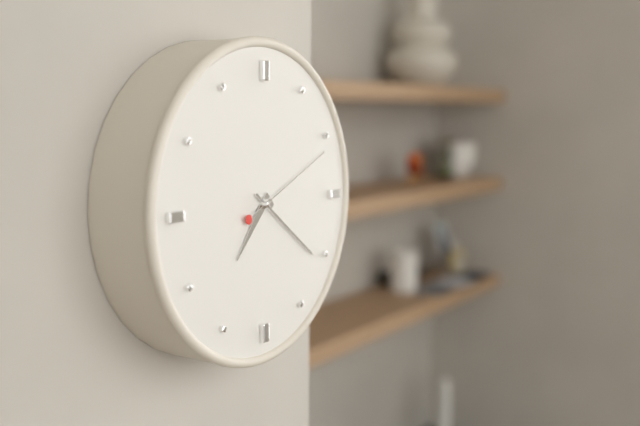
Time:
7h21m11s
